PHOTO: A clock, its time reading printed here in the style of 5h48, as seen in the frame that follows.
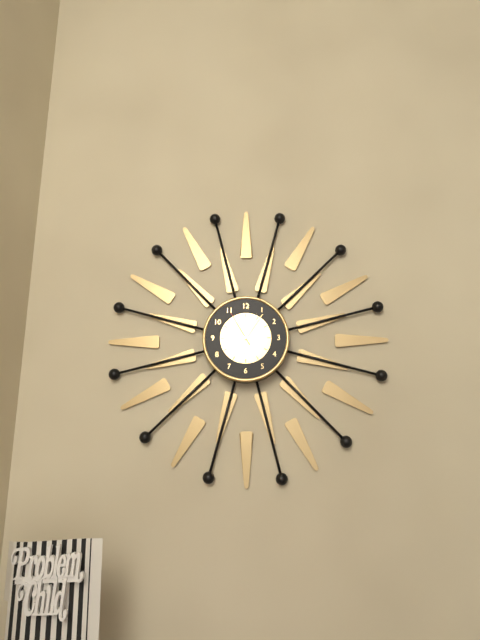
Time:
6h06
